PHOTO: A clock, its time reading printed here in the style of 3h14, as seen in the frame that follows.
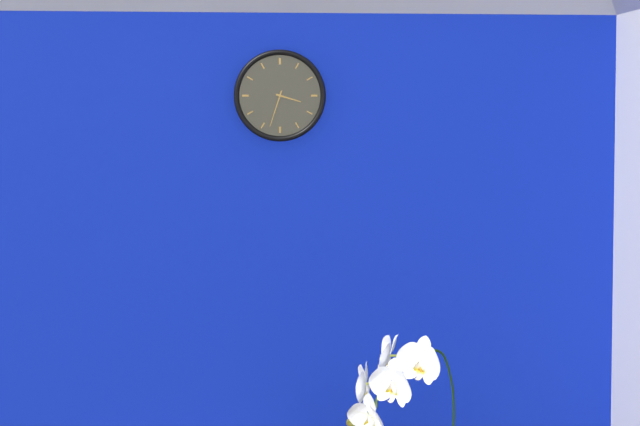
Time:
3h33
